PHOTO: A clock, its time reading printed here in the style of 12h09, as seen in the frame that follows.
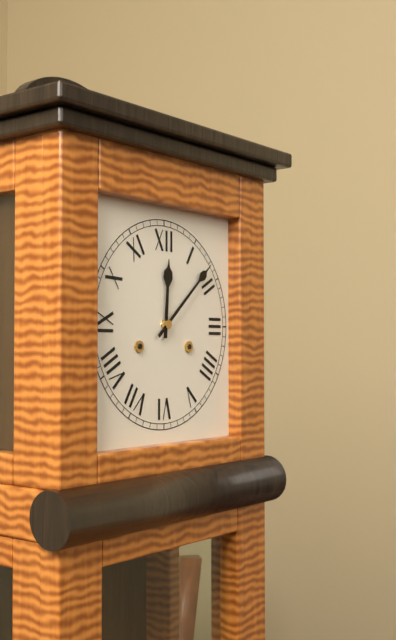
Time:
12h08
